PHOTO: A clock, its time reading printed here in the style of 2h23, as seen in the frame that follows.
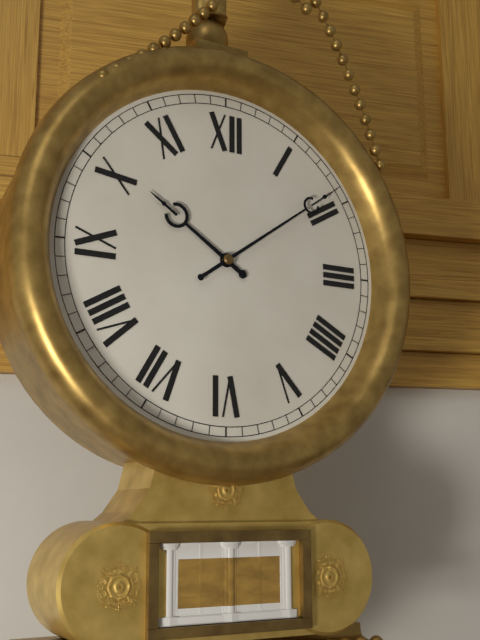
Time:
10h09
